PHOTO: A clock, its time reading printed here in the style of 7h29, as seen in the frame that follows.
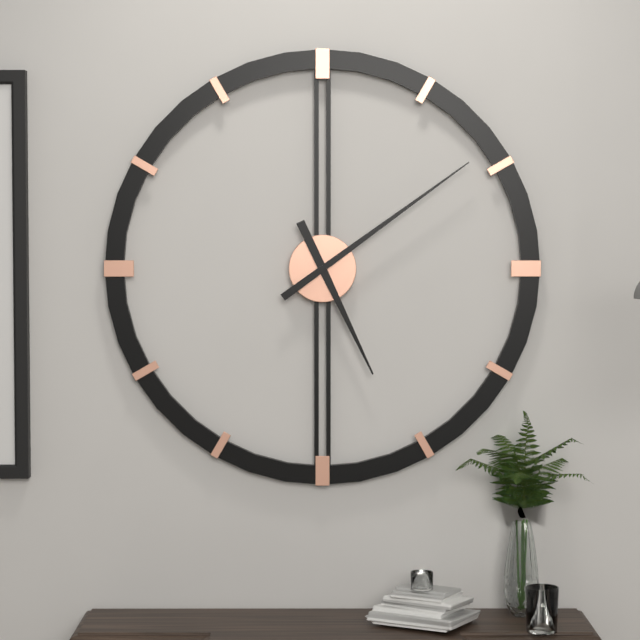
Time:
5h09
